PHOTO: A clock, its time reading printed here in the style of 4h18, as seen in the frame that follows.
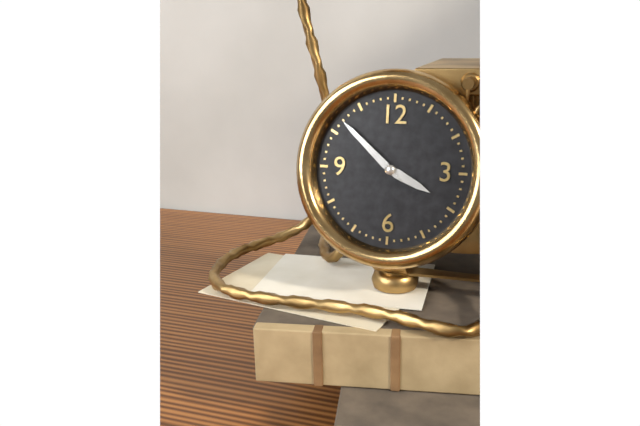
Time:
3h52
